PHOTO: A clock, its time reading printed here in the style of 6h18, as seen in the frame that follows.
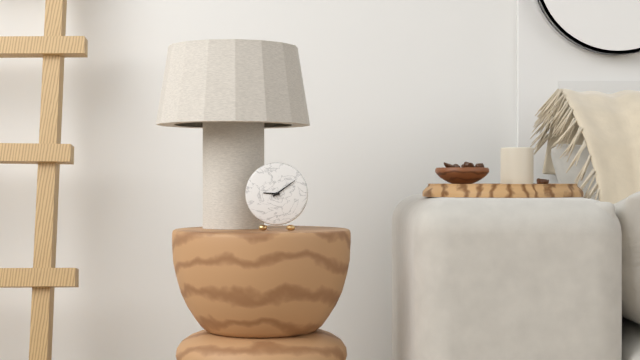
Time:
9h09
